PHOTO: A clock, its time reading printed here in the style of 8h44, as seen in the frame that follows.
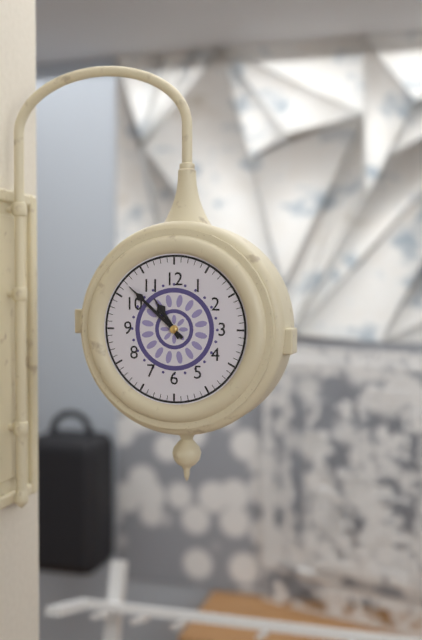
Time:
10h52
